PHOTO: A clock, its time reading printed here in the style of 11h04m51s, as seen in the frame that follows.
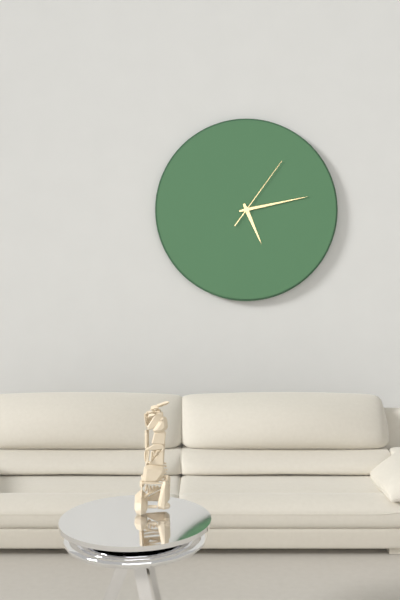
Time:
5h13m06s
